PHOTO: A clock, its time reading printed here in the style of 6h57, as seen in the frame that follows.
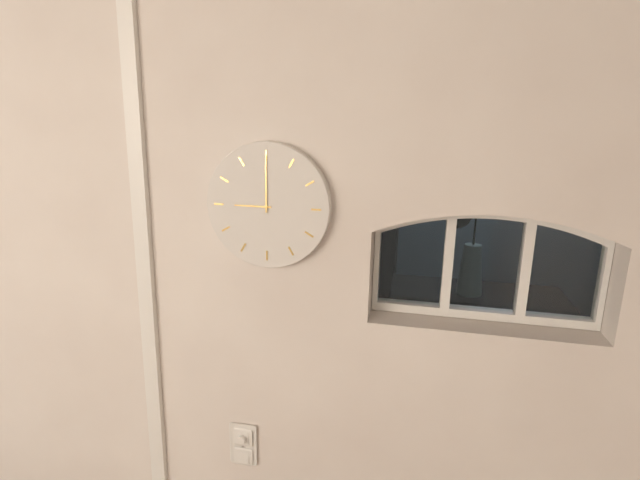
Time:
9h00
